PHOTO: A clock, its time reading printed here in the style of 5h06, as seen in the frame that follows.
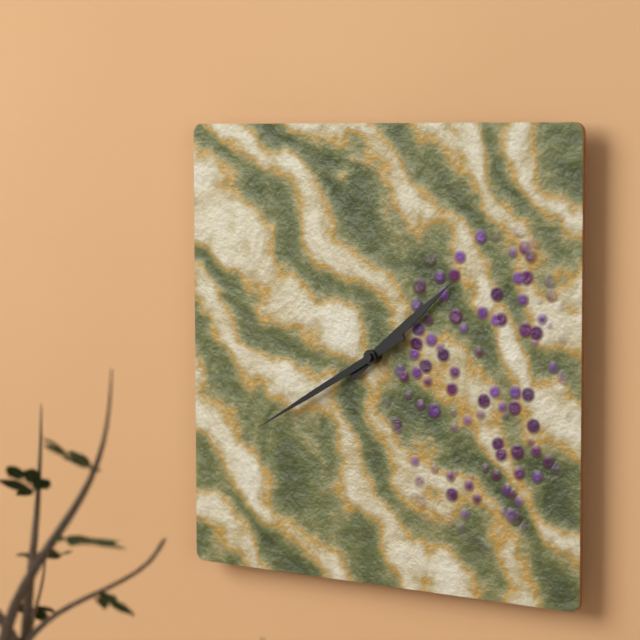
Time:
1h40
